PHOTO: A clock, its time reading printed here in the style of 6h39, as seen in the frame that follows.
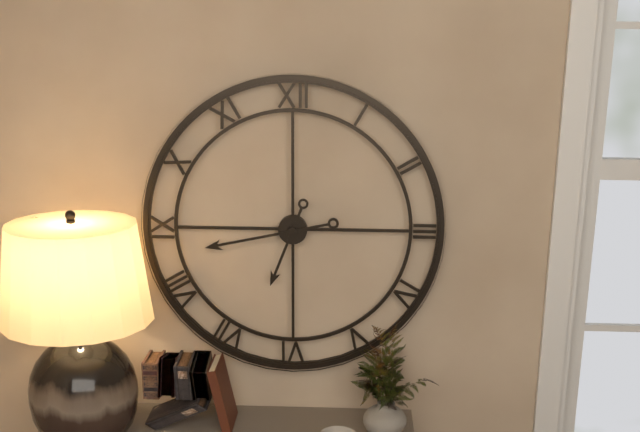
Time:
6h43
